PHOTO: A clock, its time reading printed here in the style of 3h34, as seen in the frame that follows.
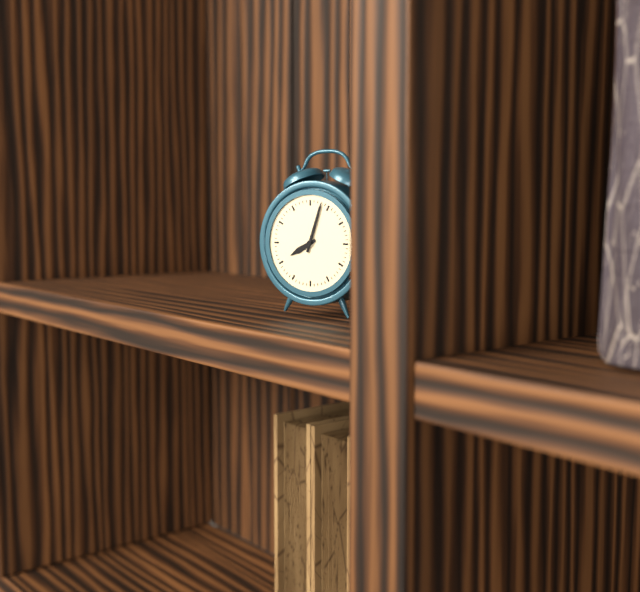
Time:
8h03
